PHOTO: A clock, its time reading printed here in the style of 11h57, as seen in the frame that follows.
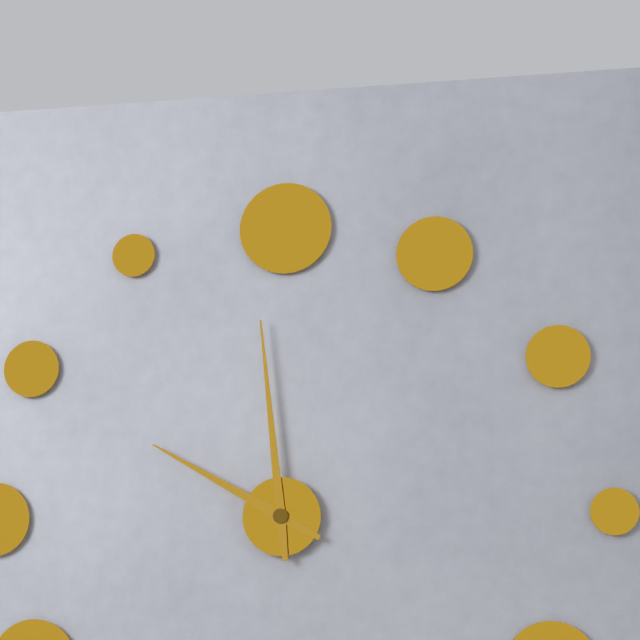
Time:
9h59
